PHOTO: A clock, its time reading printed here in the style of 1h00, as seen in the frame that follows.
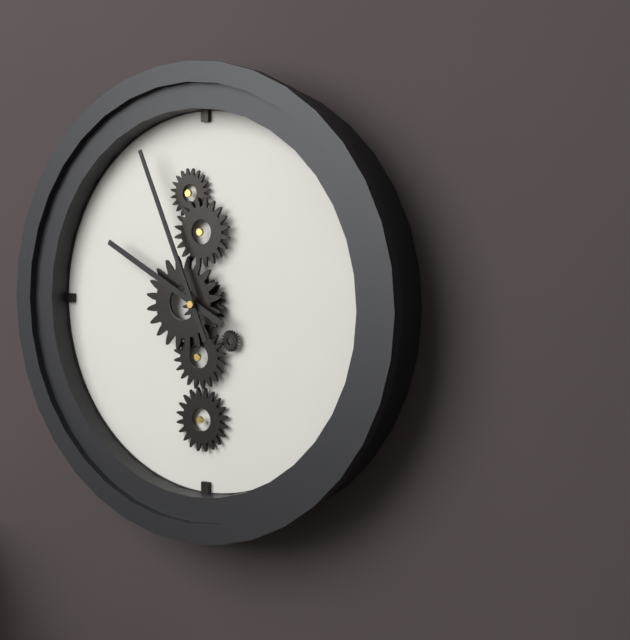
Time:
9h56
